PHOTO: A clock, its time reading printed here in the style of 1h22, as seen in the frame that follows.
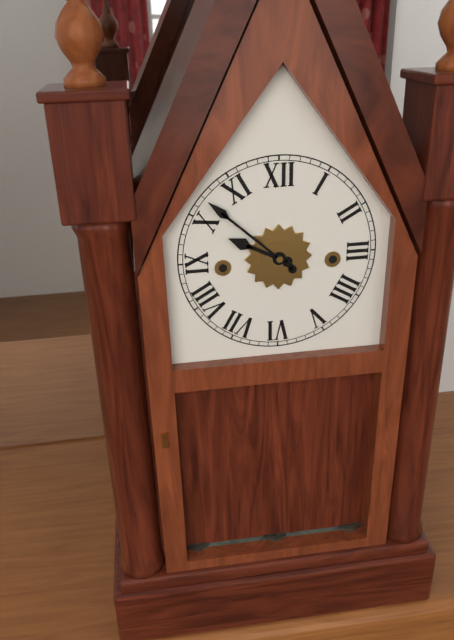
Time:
9h52
